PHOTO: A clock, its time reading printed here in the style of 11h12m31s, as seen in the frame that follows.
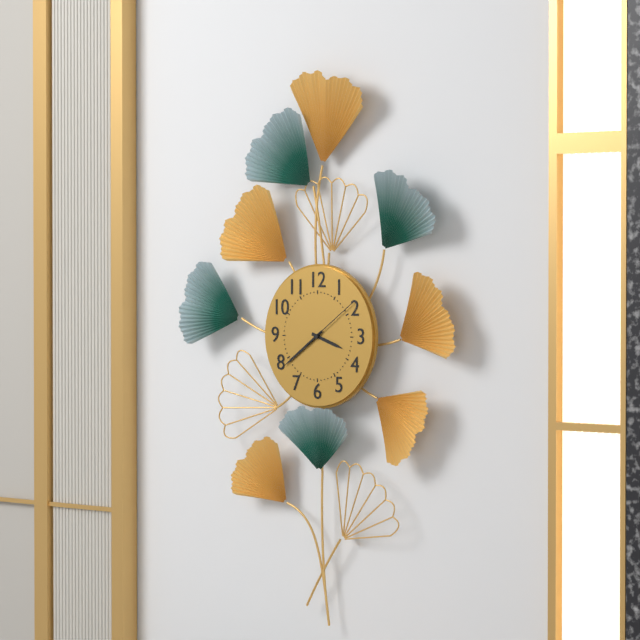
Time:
3h39m09s
